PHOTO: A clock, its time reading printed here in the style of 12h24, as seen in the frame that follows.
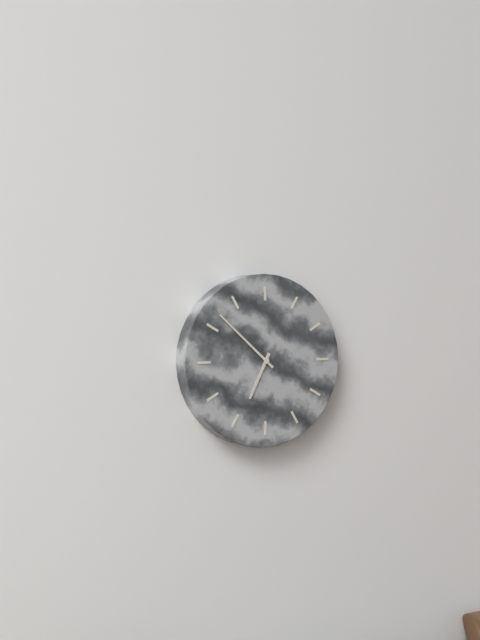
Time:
6h52
